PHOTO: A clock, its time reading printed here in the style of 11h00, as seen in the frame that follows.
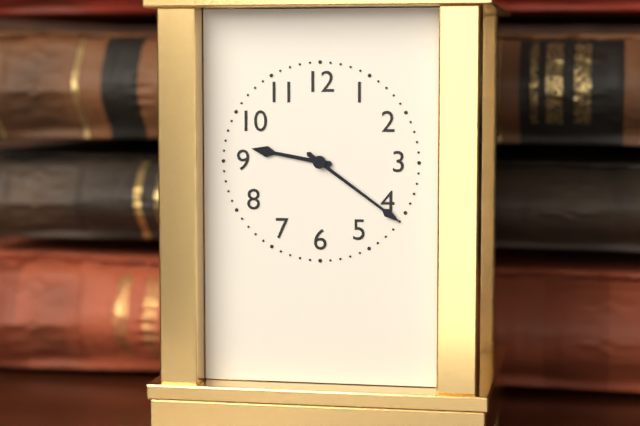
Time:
9h21
